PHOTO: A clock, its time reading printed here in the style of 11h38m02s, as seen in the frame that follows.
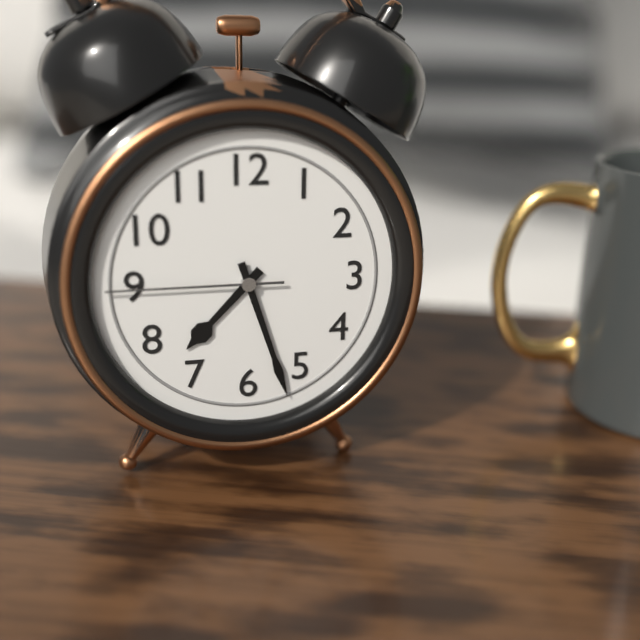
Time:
7h27m45s
